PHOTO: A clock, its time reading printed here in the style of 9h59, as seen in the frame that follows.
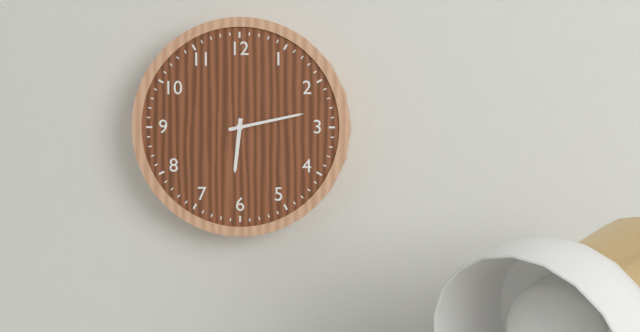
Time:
6h13
